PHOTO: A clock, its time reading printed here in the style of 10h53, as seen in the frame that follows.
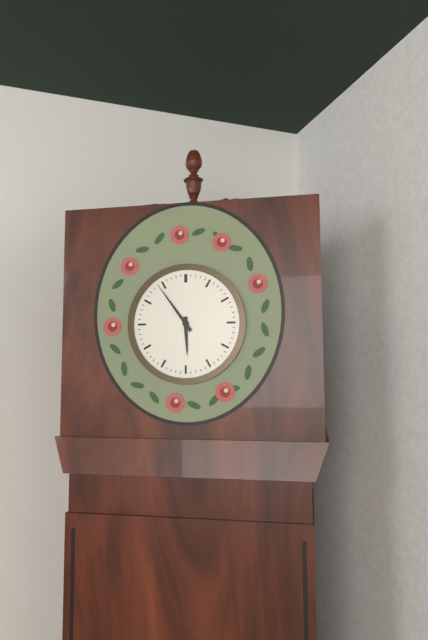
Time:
5h54
